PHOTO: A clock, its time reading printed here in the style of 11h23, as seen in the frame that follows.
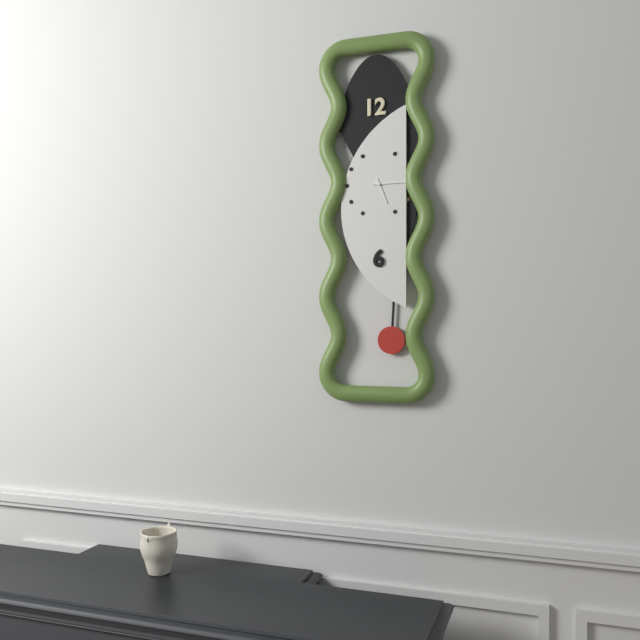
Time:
5h15
